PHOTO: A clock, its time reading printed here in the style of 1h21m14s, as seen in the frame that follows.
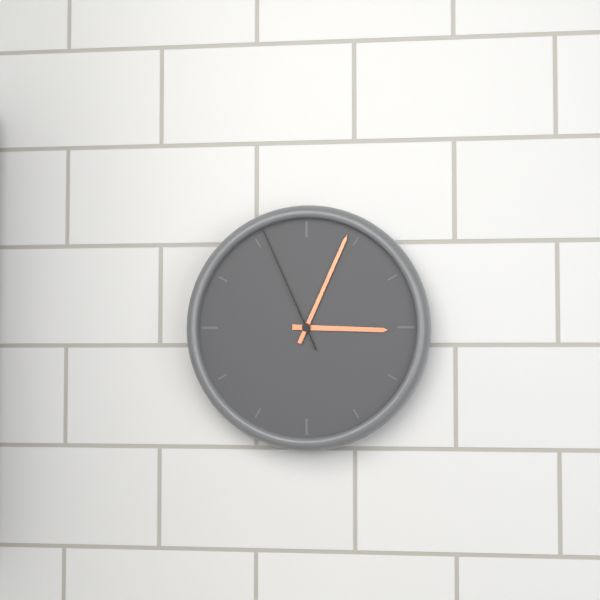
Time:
3h04m56s
